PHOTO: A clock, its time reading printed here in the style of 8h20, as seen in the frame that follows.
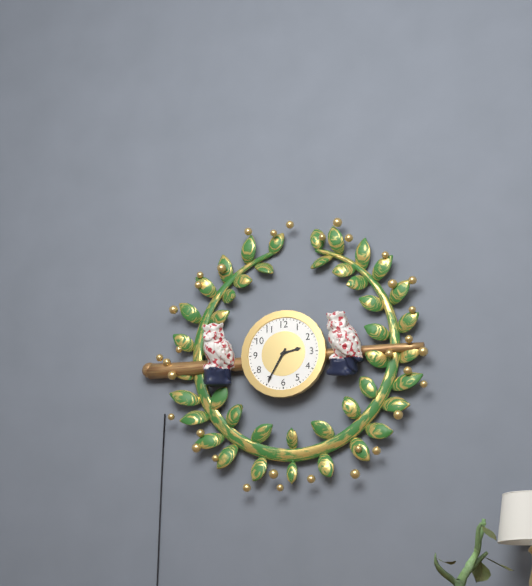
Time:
2h35
